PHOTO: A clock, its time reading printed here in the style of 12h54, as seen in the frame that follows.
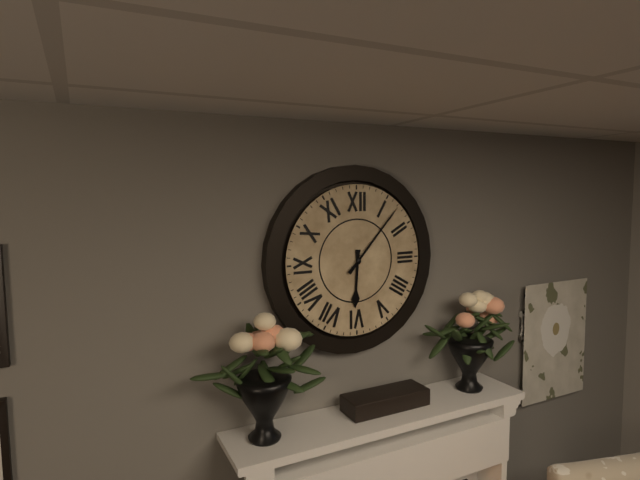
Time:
6h07
